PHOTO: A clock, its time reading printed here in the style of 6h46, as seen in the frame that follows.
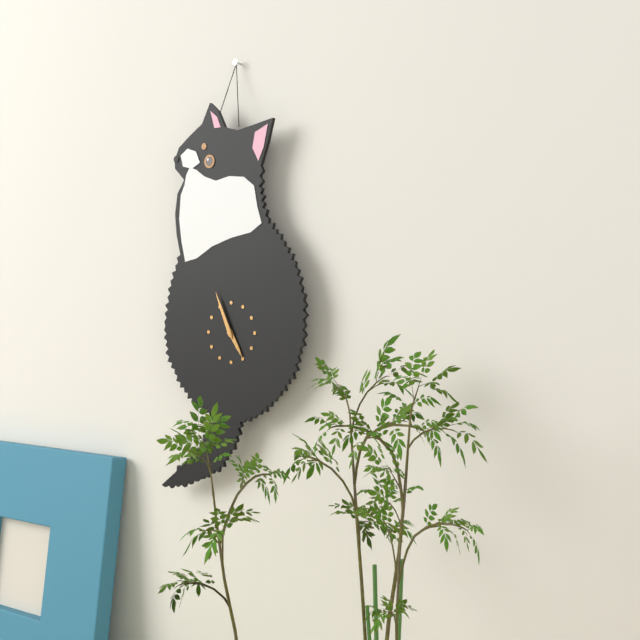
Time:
4h56
